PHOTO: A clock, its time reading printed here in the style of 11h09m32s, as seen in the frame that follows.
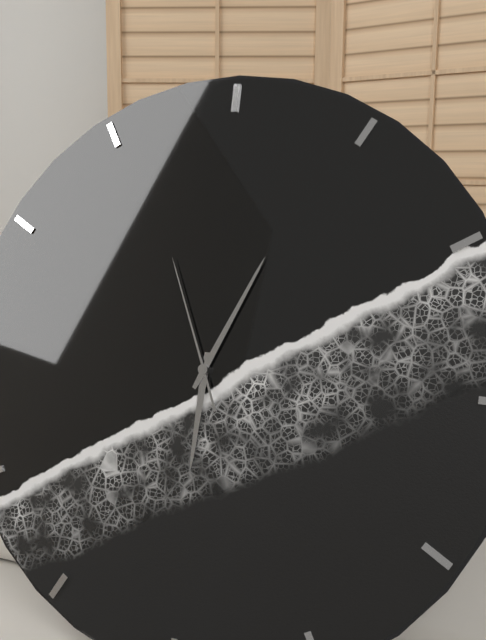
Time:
6h04m56s
